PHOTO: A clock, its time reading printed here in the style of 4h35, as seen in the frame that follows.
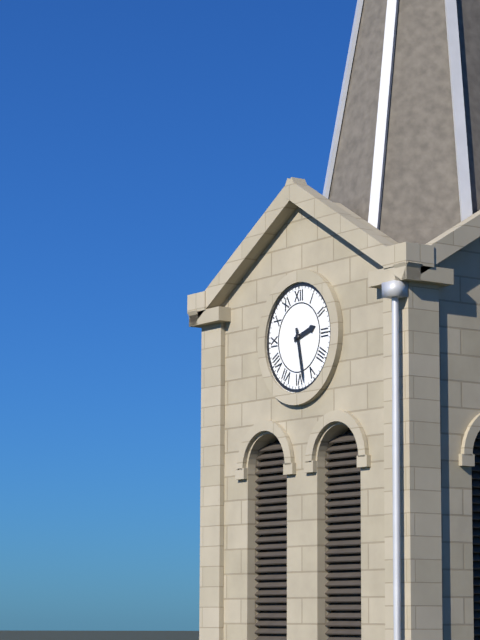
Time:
2h28
